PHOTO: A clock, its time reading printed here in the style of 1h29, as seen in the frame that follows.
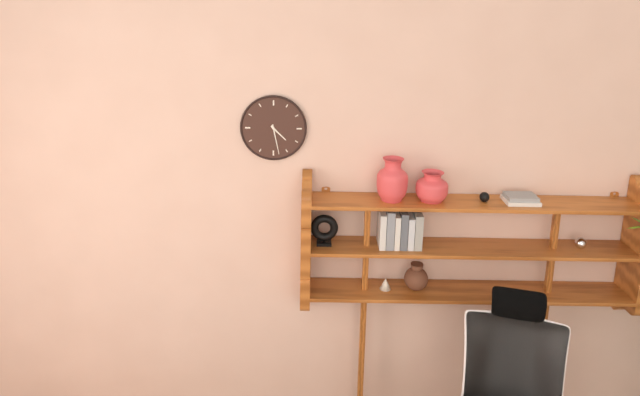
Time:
4h28
